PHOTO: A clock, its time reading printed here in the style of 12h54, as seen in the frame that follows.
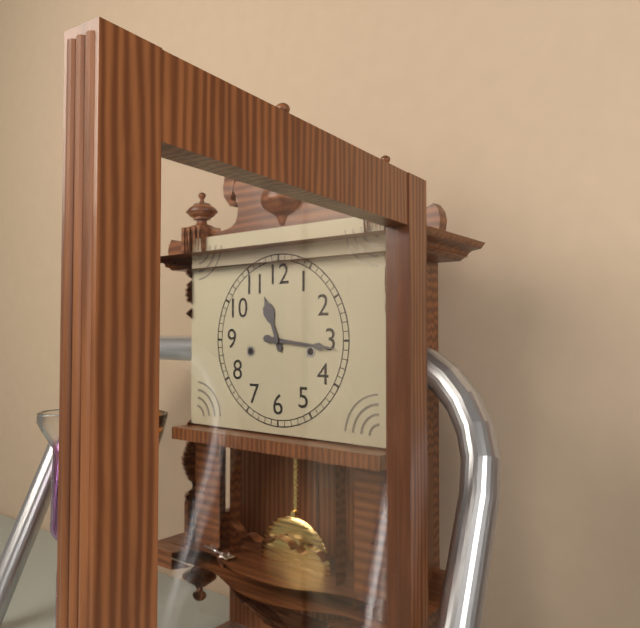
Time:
11h16
